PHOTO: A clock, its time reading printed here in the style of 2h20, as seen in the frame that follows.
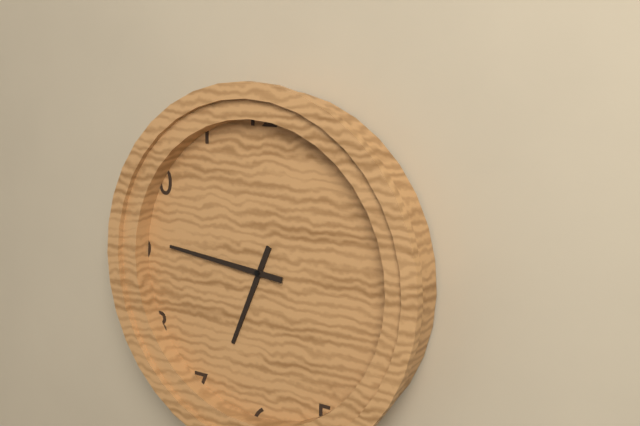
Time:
6h46
